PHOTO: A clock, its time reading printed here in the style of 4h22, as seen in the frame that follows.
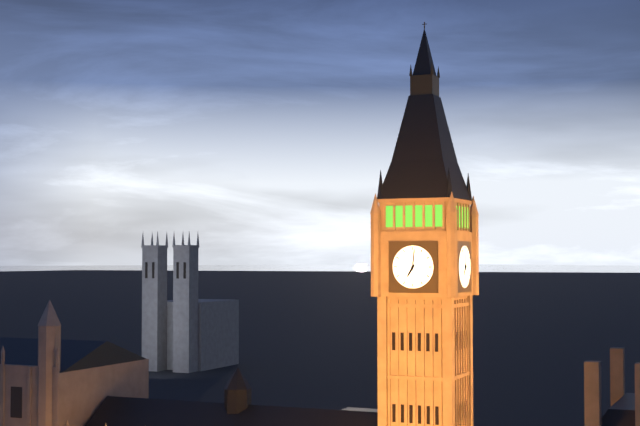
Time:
7h01
